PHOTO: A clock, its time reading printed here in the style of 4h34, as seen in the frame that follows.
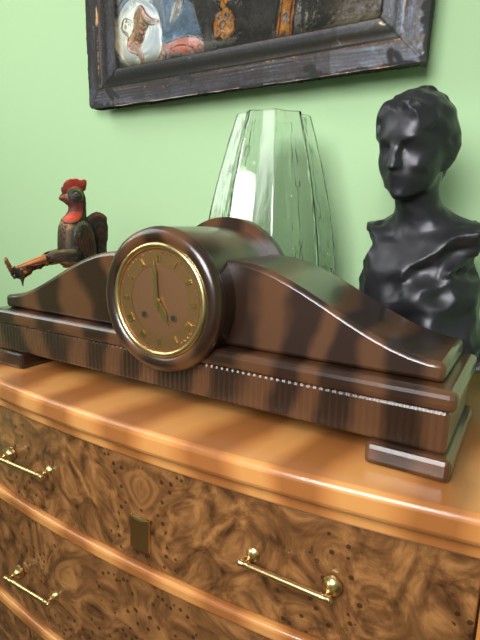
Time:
4h59
